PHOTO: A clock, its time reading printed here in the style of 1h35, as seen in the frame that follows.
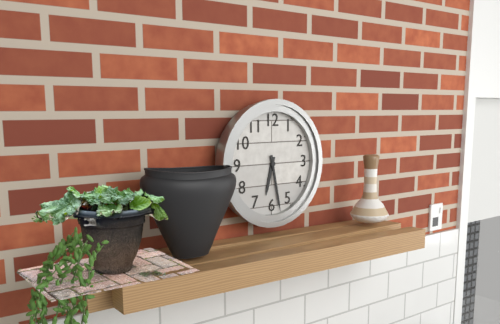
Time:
6h28
